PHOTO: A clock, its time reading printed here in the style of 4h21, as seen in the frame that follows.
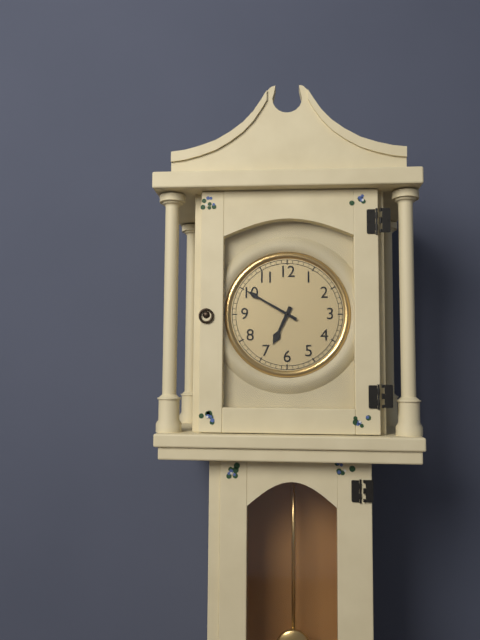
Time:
6h50
